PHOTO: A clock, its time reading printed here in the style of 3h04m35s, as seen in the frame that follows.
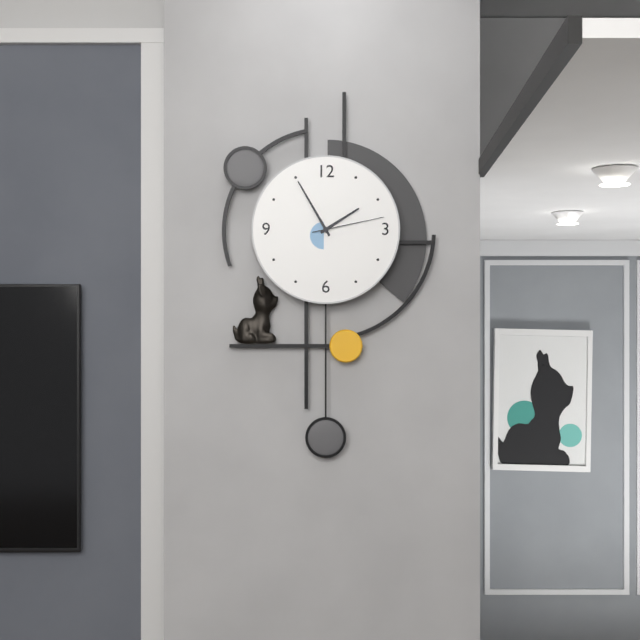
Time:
1h55m13s
